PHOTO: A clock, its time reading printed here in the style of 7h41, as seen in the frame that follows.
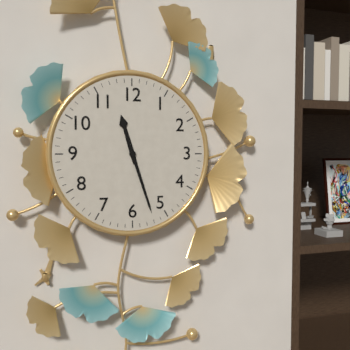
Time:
11h27
